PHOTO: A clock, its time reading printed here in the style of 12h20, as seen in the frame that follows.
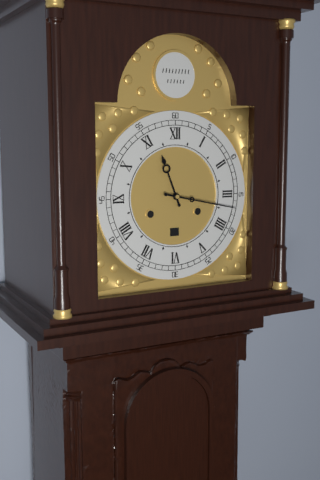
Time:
11h17
